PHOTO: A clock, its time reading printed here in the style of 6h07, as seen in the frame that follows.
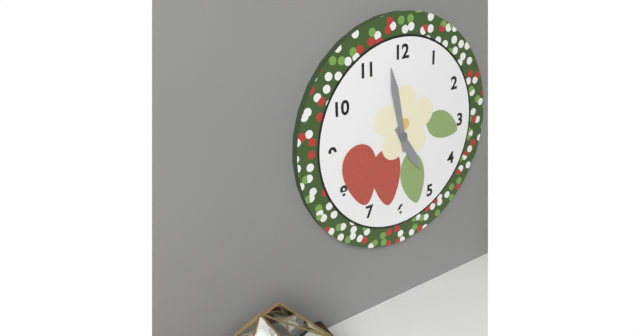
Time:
4h58
